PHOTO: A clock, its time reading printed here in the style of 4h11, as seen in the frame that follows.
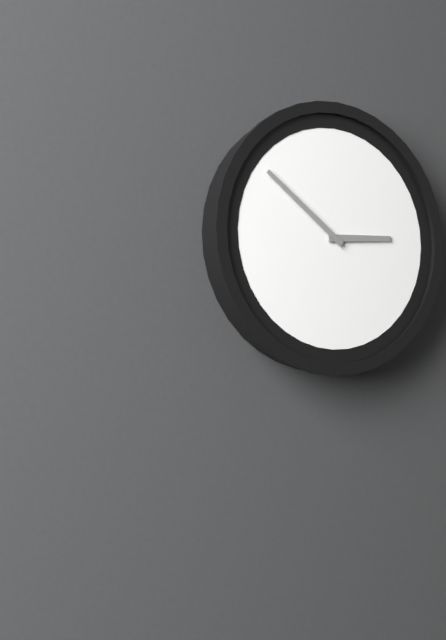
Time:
2h51
